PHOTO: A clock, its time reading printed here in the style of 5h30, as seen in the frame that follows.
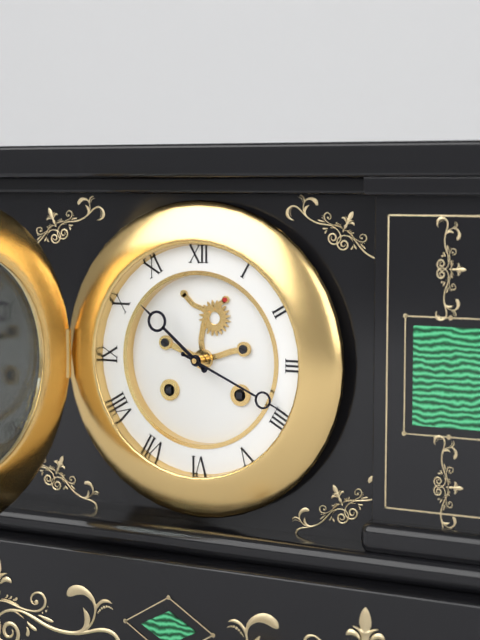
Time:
10h19
